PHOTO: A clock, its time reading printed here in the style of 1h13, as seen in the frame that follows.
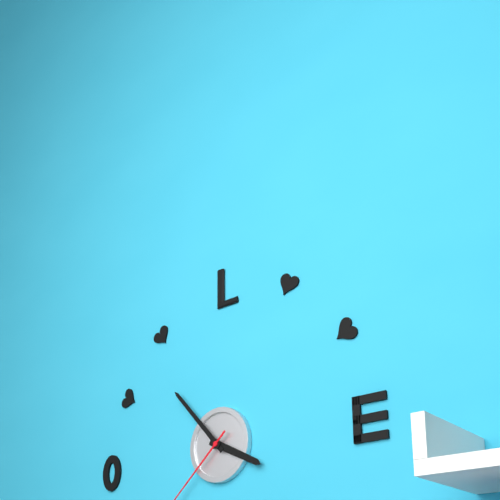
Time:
3h53
